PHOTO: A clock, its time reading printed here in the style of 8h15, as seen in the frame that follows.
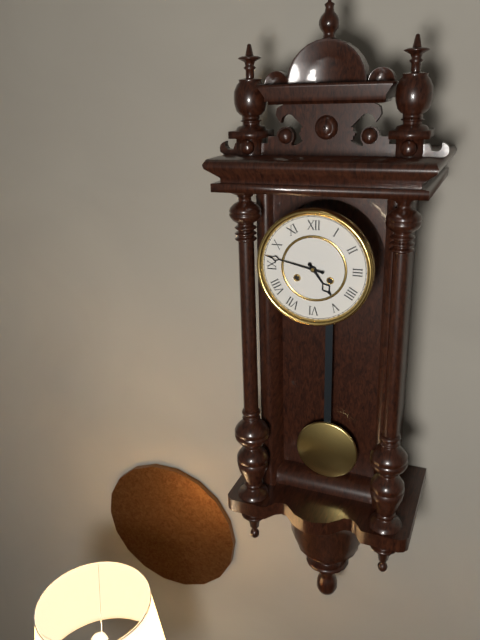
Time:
4h47
